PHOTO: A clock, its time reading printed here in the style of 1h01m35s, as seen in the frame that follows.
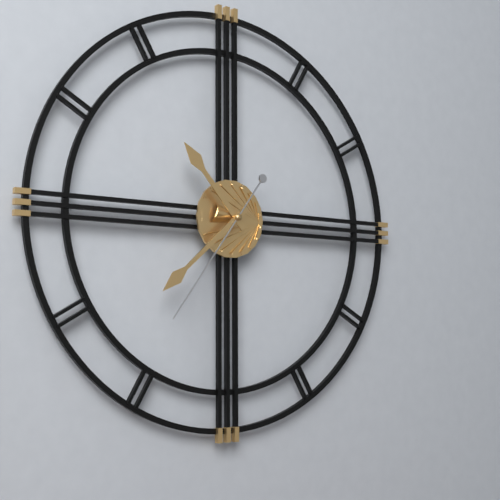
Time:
10h38m36s
